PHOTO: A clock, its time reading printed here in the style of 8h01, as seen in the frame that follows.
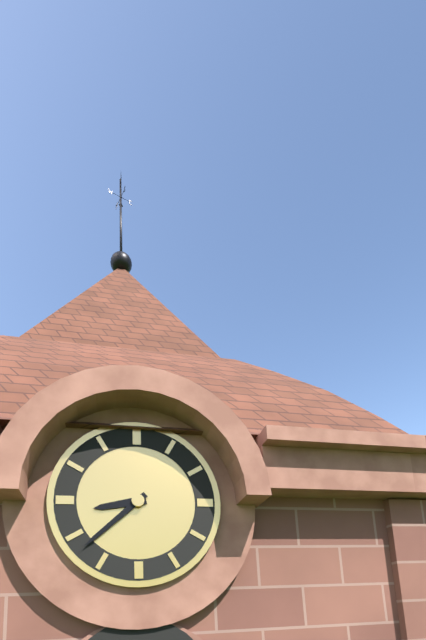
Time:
8h38
